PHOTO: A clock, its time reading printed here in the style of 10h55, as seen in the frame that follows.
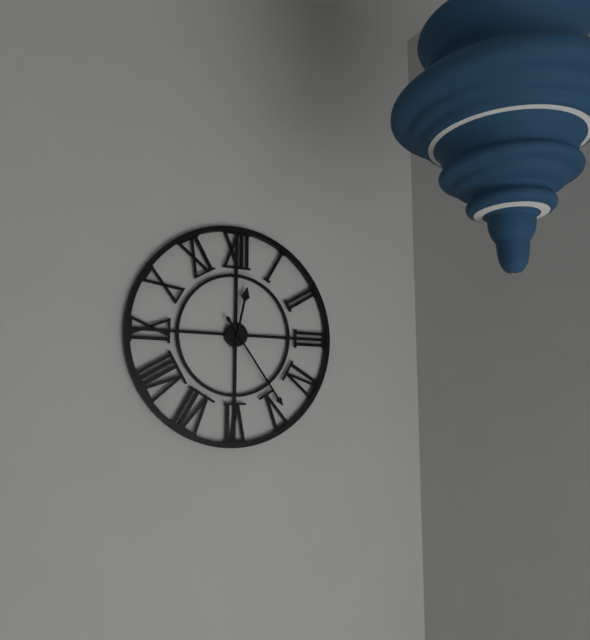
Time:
12h24
